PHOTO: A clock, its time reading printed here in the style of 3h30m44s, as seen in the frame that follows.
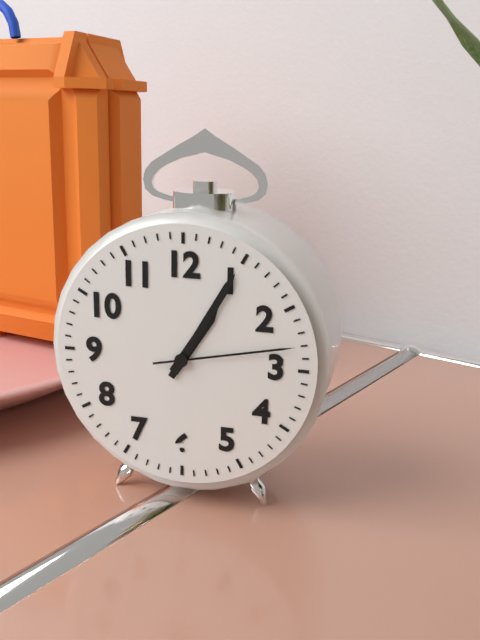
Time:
1h05m13s
